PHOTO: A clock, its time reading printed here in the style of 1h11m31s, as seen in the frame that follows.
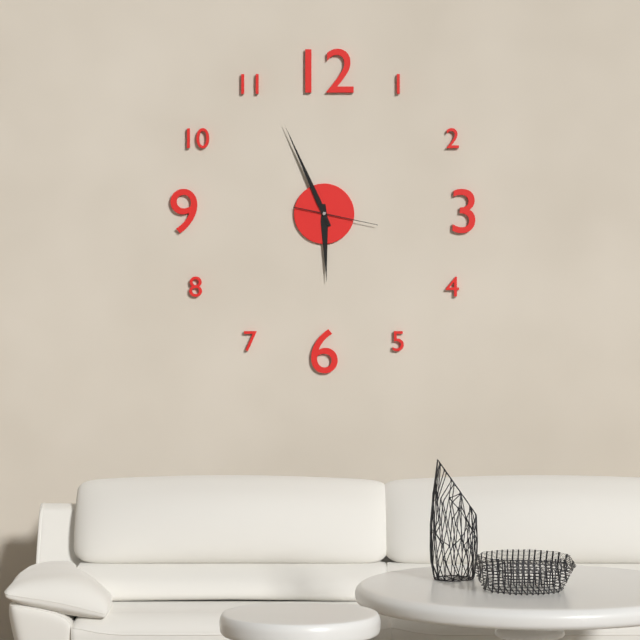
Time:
5h56m17s
